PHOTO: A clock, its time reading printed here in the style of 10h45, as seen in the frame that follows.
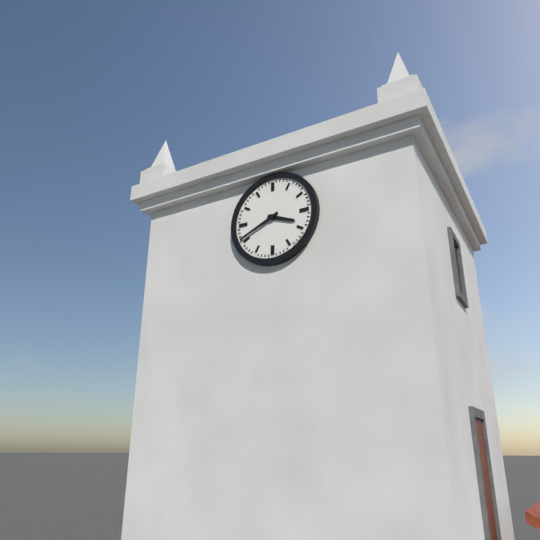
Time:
3h41
